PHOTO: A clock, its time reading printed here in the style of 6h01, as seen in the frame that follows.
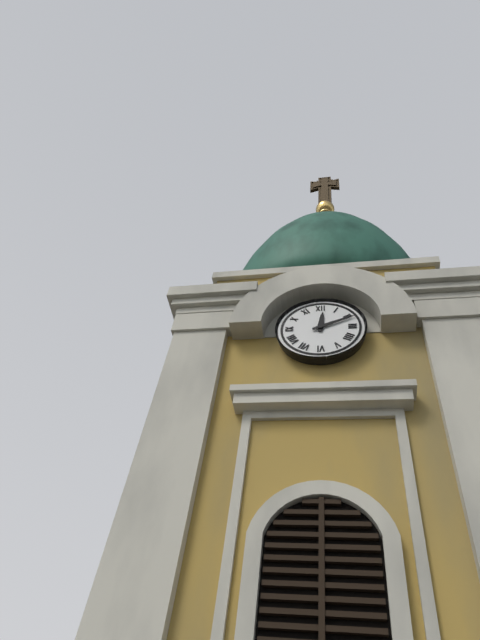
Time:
12h11
